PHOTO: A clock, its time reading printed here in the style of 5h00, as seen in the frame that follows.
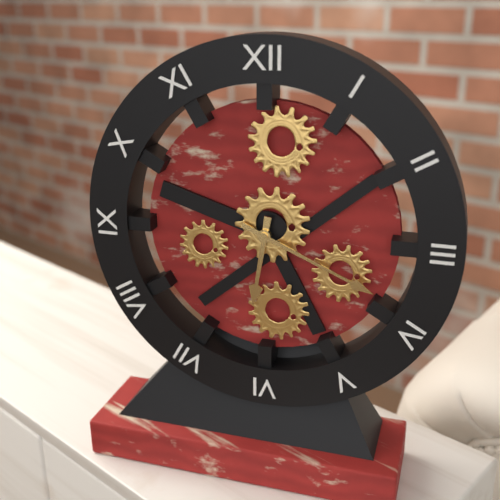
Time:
6h19
